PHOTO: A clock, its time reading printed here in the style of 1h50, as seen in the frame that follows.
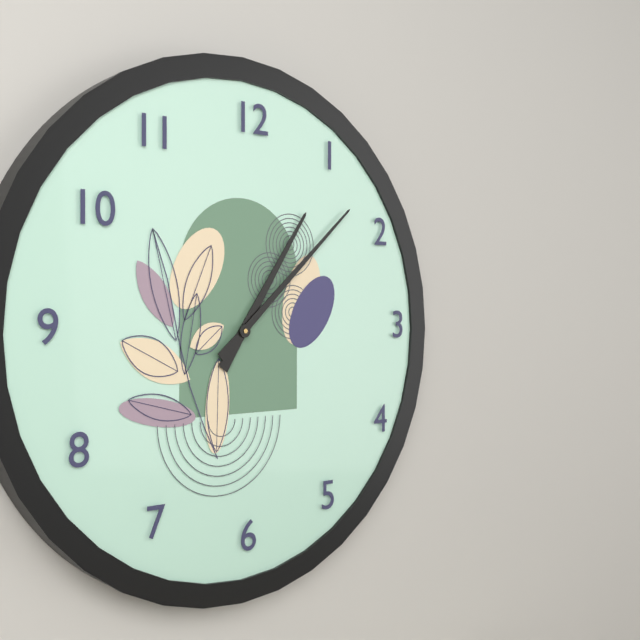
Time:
1h08
